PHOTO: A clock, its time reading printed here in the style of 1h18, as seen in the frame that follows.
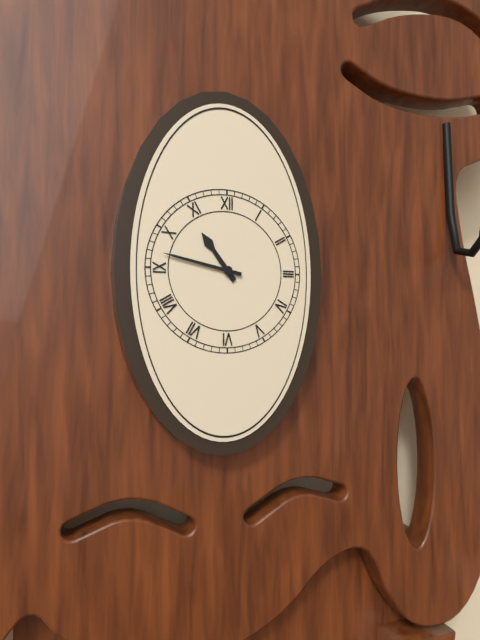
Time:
10h47
